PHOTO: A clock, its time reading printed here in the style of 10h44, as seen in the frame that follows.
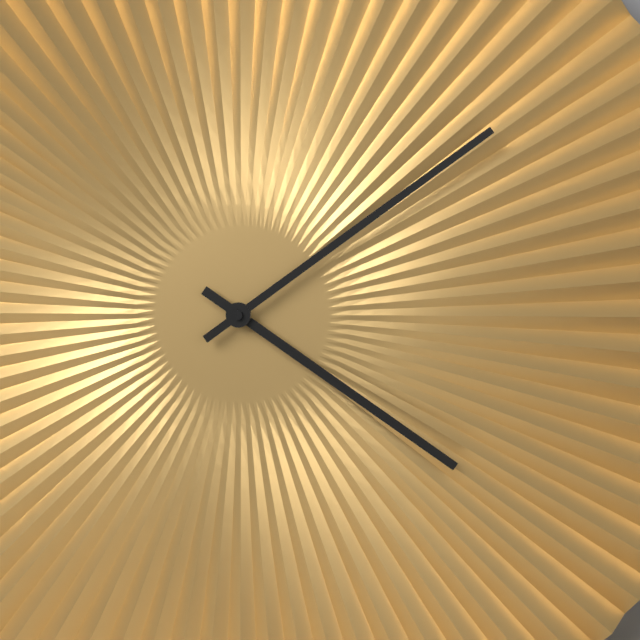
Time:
4h09
